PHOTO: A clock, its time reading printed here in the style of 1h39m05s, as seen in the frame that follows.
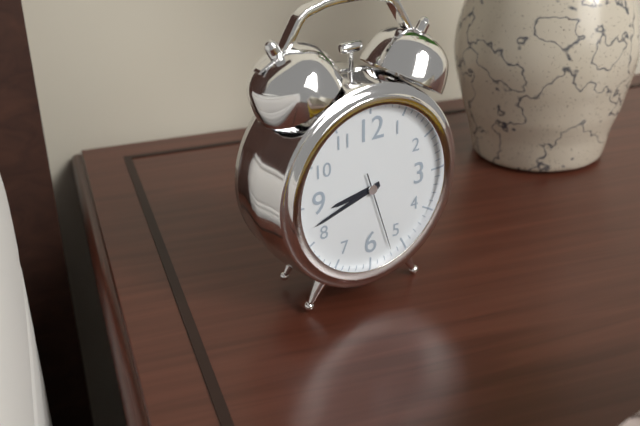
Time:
8h42m27s
